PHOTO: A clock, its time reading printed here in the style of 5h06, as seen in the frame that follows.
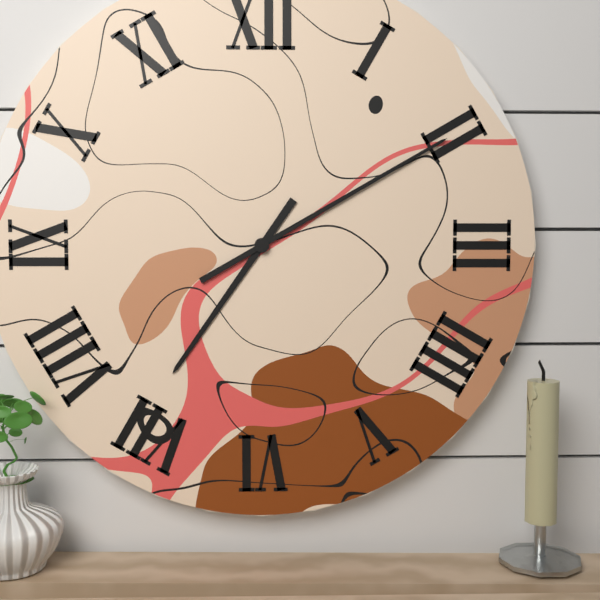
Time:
7h10
